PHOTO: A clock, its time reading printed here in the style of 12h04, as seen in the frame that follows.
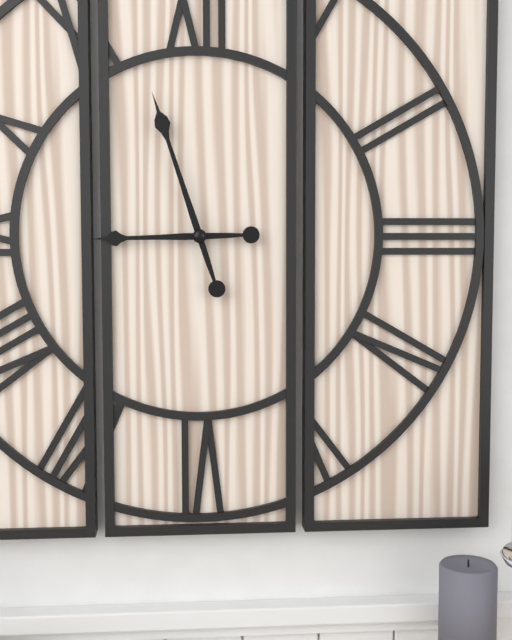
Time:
8h57
